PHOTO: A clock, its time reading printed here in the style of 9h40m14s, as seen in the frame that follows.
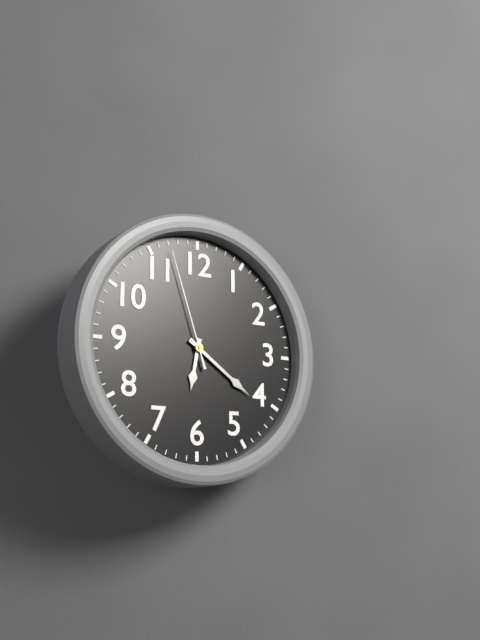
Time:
6h21m57s
